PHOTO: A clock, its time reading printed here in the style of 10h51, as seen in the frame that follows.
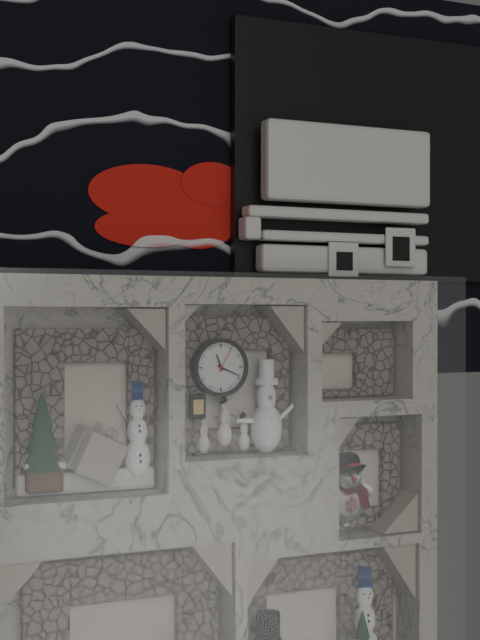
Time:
11h19
